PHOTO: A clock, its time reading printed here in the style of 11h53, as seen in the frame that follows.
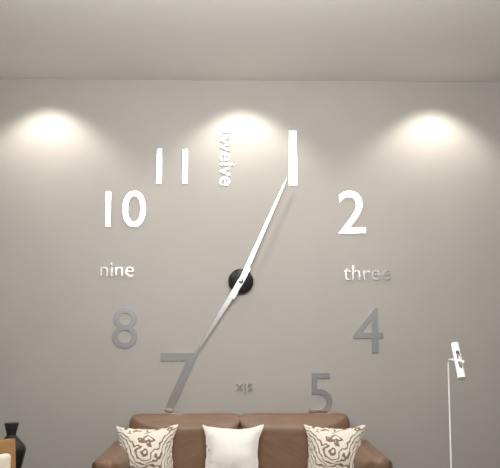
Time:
7h04
